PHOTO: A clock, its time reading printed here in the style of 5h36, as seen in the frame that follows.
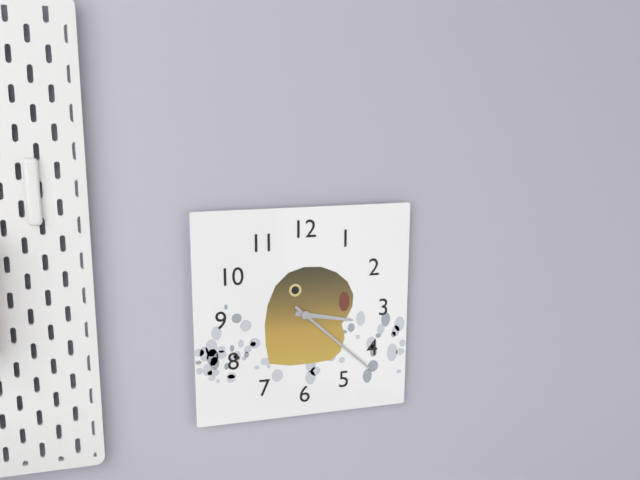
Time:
3h22
